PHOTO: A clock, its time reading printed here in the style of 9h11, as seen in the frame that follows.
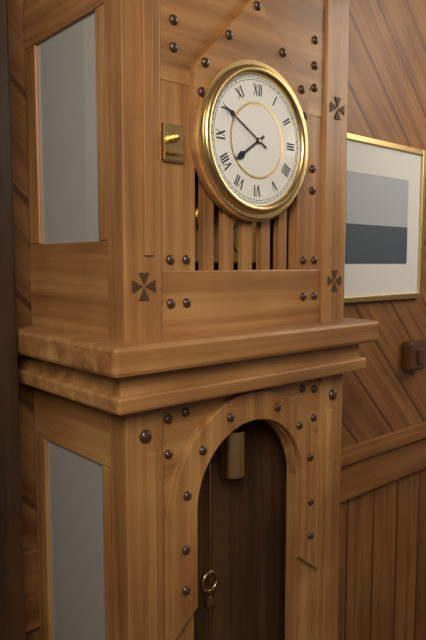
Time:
7h50
